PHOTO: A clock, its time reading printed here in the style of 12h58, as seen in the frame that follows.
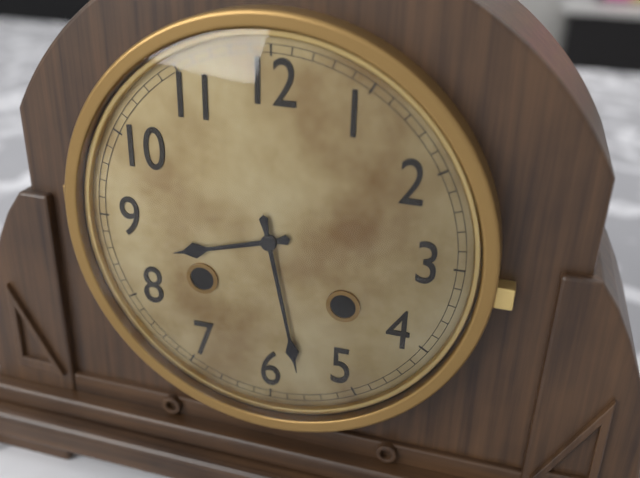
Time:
8h28
